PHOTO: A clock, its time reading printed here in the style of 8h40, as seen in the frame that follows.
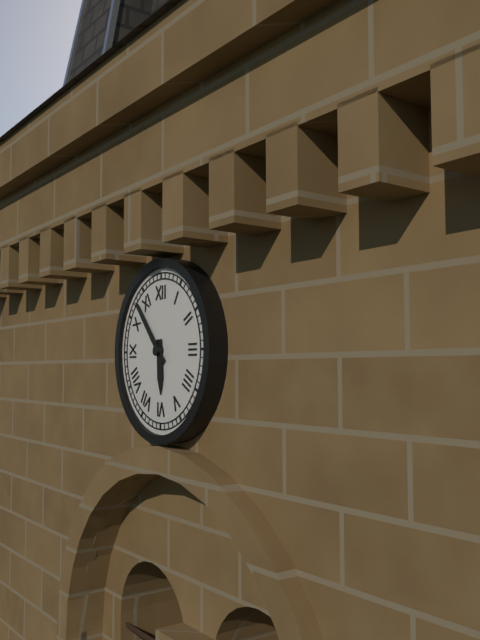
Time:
5h53
